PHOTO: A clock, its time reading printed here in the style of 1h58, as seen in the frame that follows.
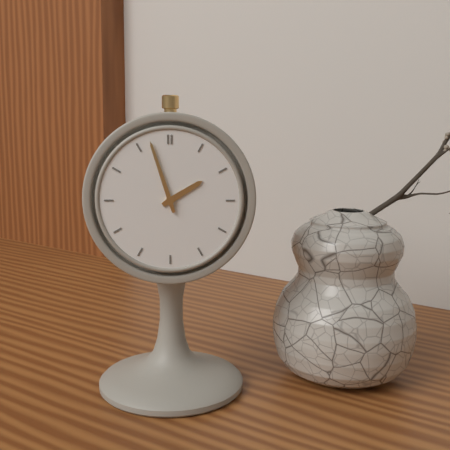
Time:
1h57
